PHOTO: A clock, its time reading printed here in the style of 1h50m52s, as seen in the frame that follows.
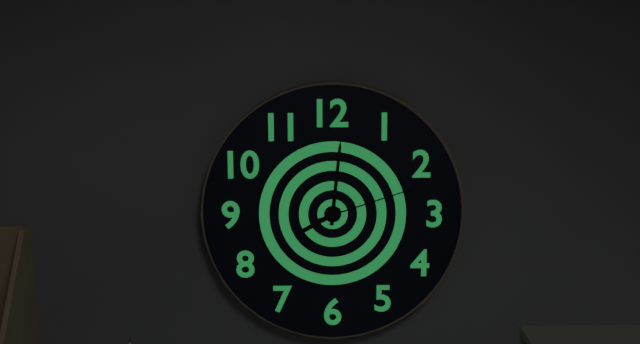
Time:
8h01m12s
